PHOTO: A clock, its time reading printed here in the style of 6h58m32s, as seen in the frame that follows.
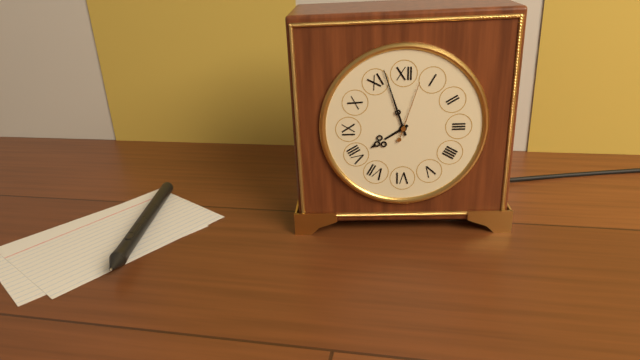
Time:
7h57m03s
